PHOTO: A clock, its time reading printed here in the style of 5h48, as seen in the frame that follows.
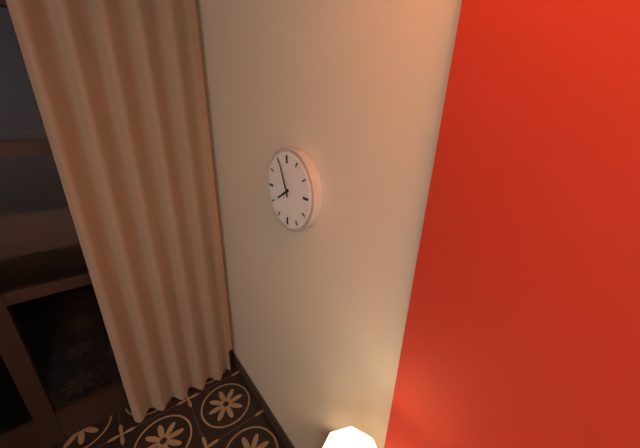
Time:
7h56
